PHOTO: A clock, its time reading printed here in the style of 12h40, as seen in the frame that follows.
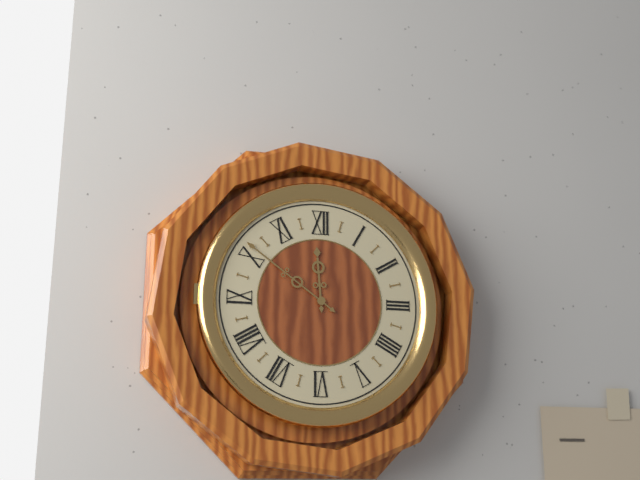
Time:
11h51
